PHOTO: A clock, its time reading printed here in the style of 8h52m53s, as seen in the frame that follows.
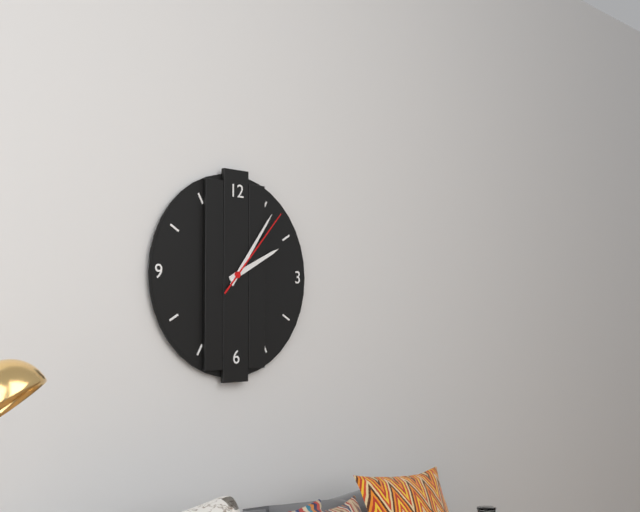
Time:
2h06m07s
